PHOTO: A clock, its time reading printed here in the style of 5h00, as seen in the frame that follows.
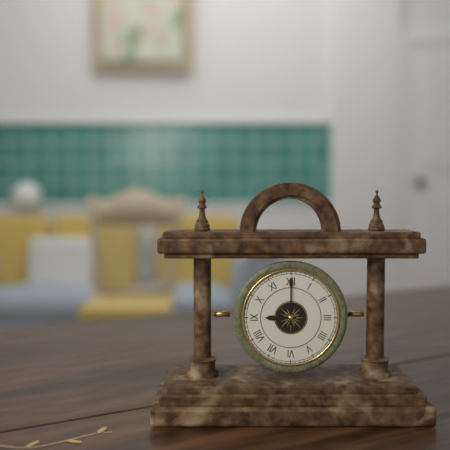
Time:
9h00
